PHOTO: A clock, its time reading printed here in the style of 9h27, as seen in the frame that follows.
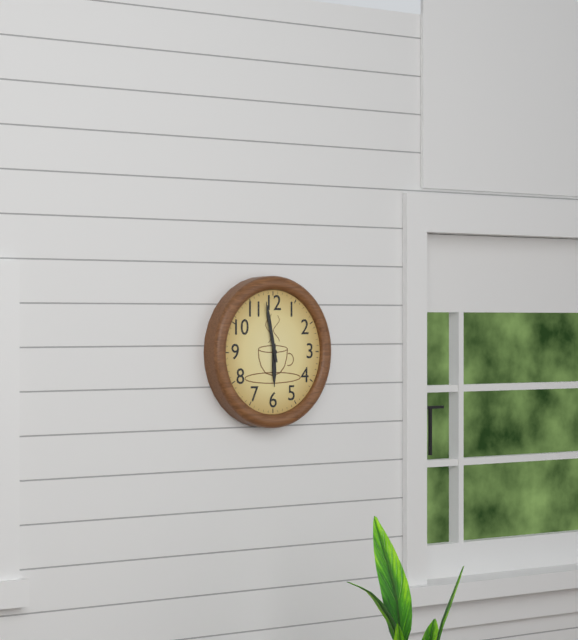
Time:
5h58
